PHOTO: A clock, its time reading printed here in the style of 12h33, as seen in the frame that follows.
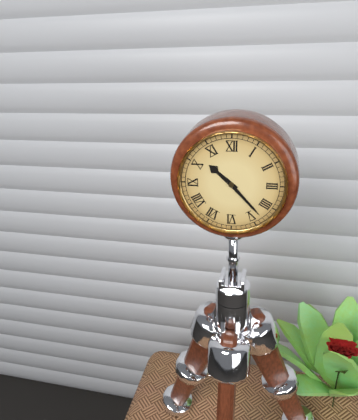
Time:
10h23
